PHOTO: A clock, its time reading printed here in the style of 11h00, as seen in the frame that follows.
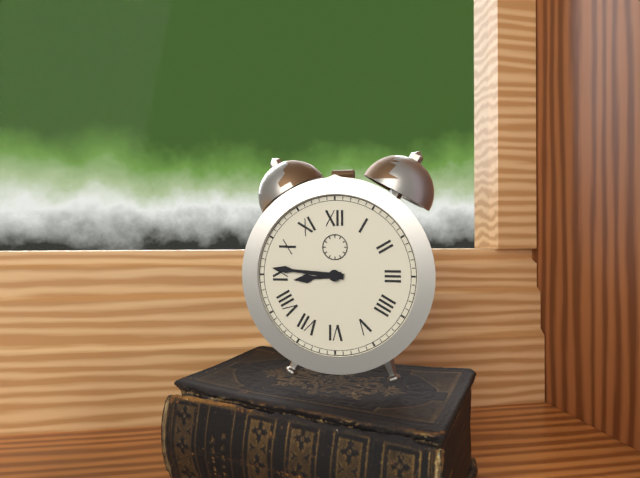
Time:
8h46
